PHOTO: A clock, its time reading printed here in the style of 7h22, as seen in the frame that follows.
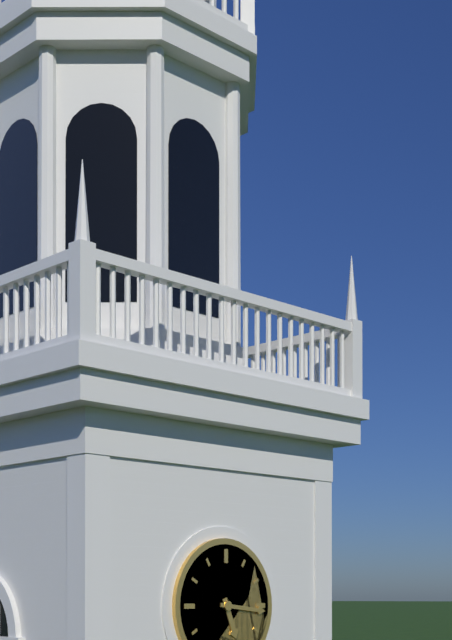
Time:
5h16
